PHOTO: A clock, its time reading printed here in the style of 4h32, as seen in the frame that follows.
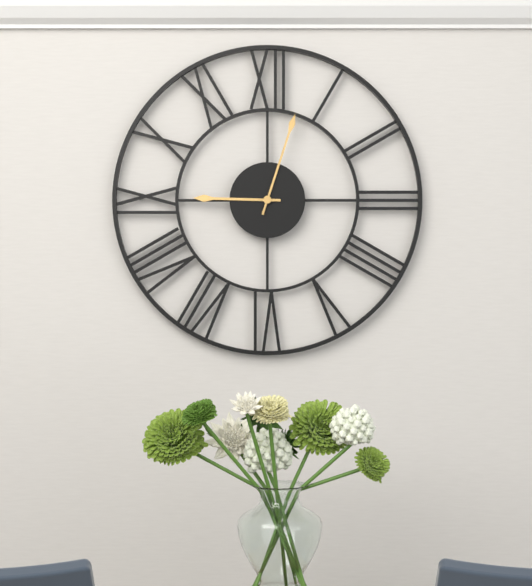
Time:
9h03
